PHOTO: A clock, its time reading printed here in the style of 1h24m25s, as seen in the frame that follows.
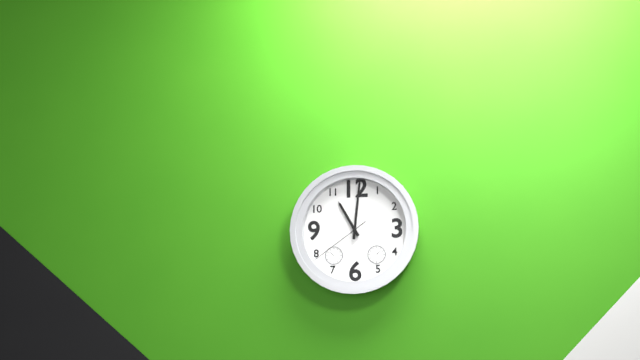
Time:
11h01m39s
